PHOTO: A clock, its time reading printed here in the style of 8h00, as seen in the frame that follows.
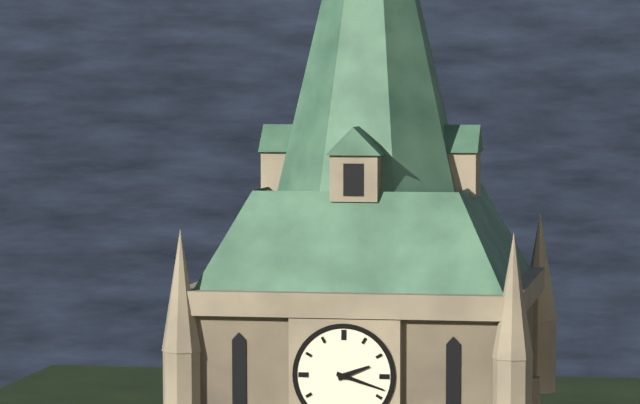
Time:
2h18
